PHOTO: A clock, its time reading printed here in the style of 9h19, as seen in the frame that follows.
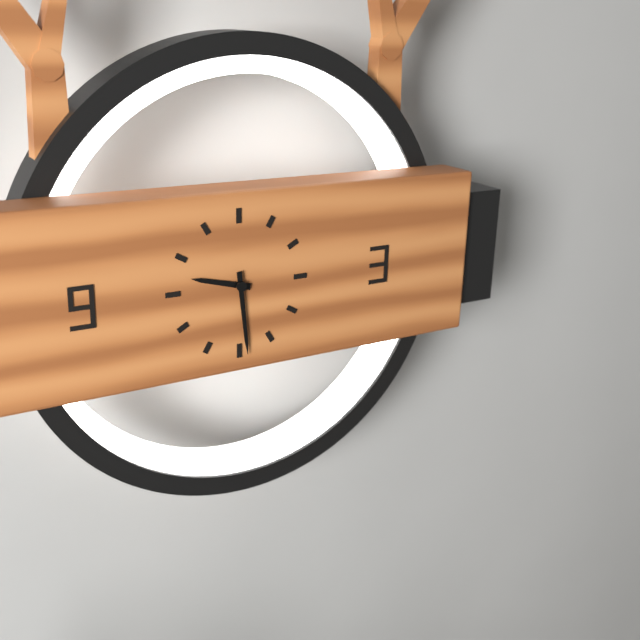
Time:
9h29
